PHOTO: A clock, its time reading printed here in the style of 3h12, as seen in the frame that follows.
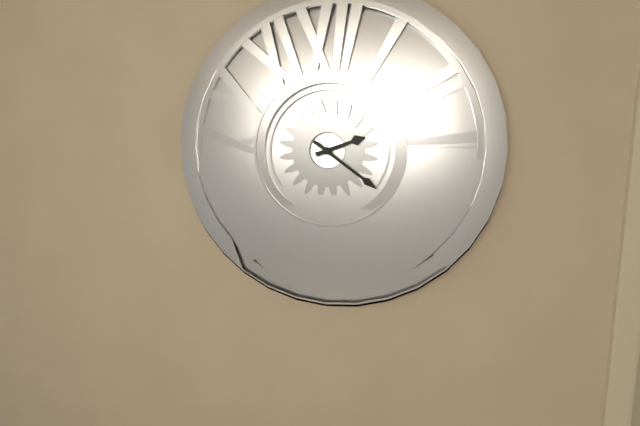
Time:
2h21
